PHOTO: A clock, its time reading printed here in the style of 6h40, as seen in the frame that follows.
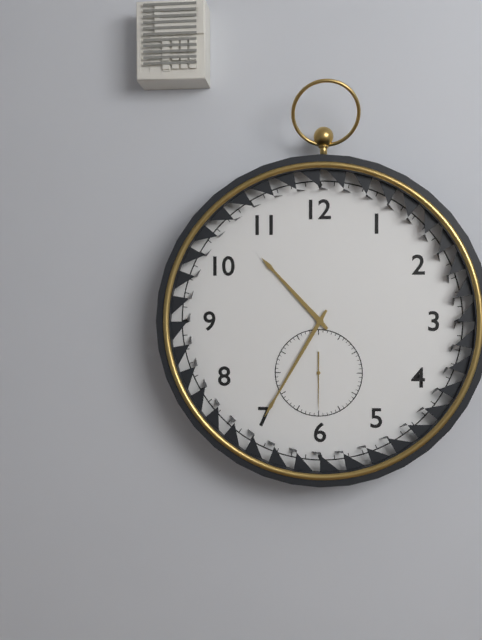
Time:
10h35
